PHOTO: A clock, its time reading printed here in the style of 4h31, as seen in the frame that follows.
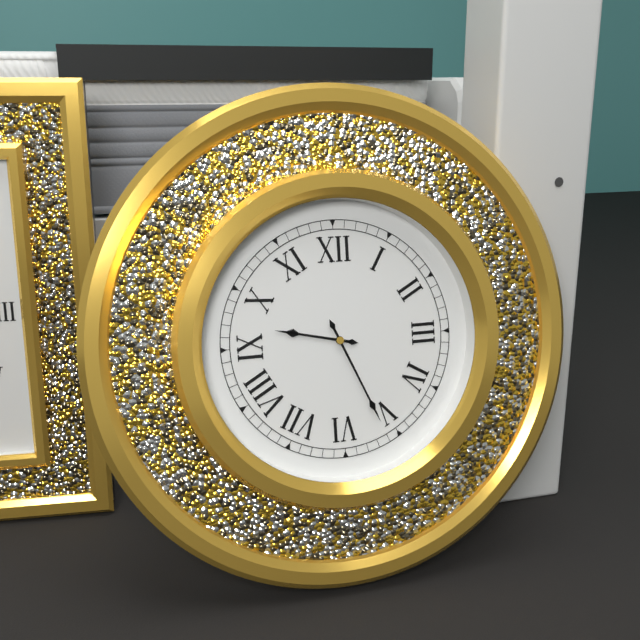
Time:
9h26
